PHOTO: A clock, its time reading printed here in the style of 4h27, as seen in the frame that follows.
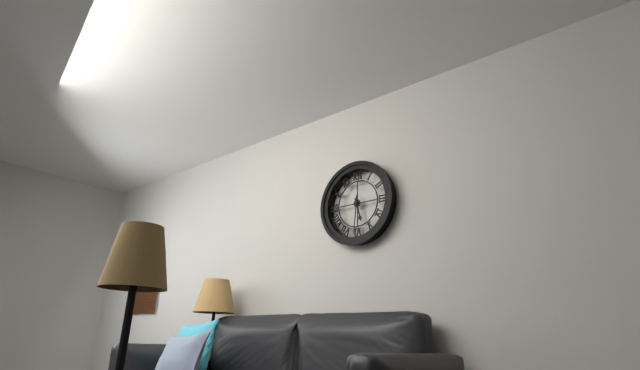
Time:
5h31
